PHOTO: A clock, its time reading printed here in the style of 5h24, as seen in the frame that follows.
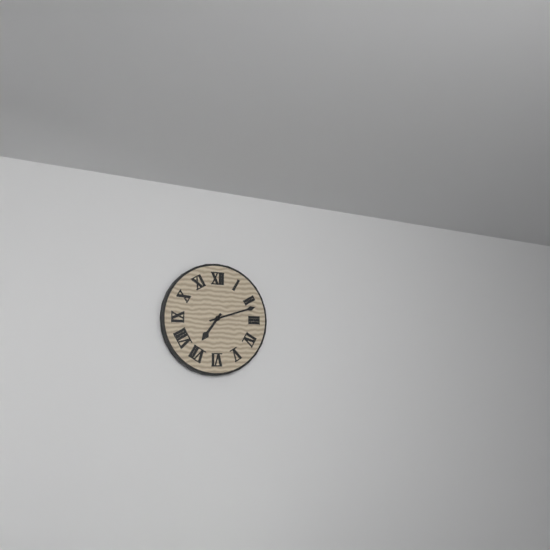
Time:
7h12
